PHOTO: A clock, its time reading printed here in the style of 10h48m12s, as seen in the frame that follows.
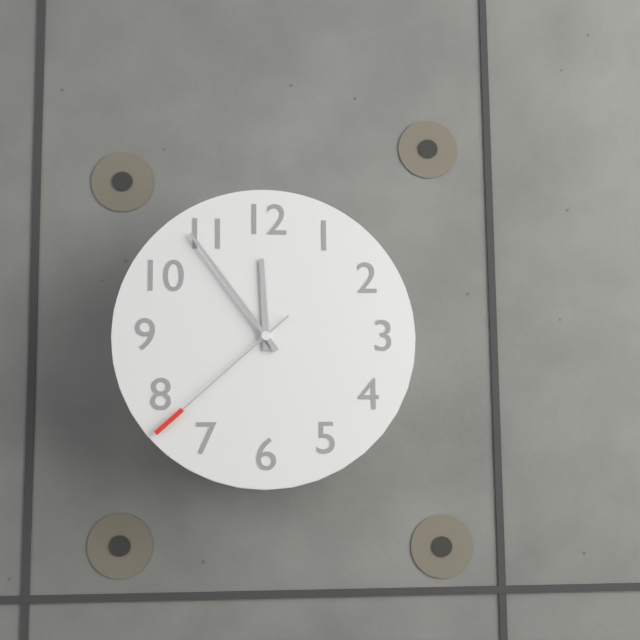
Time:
11h54m38s
